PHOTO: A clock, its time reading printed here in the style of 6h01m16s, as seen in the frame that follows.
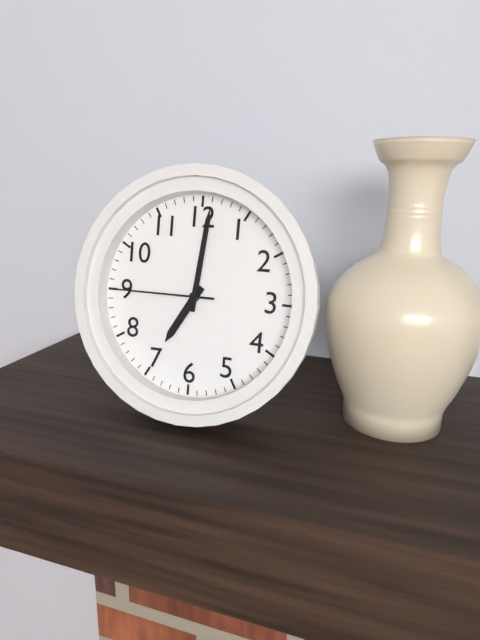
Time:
7h01m45s
